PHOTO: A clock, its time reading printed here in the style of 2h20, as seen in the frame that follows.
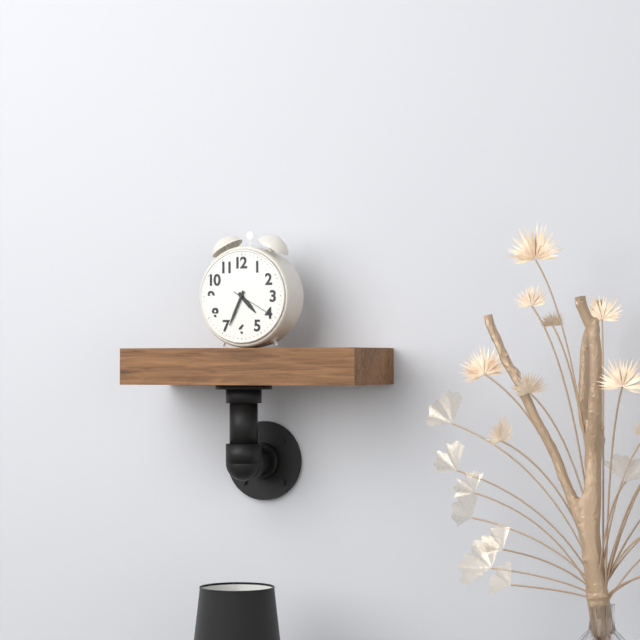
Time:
4h34
